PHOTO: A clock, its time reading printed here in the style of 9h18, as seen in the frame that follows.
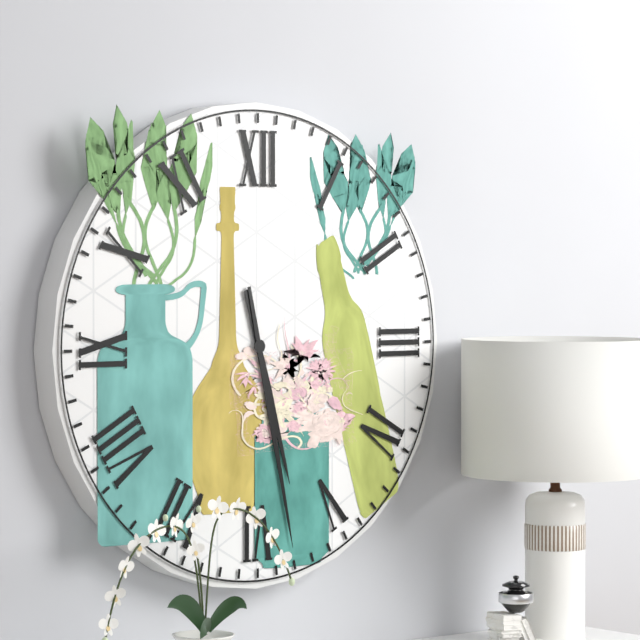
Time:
5h28
